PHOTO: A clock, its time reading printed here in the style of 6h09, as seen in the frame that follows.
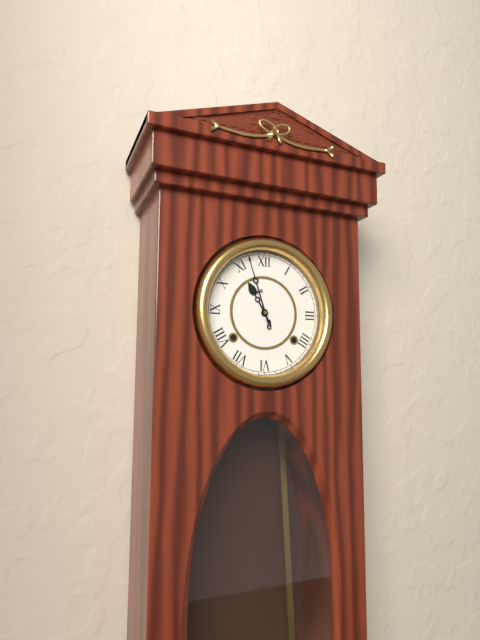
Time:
10h57
